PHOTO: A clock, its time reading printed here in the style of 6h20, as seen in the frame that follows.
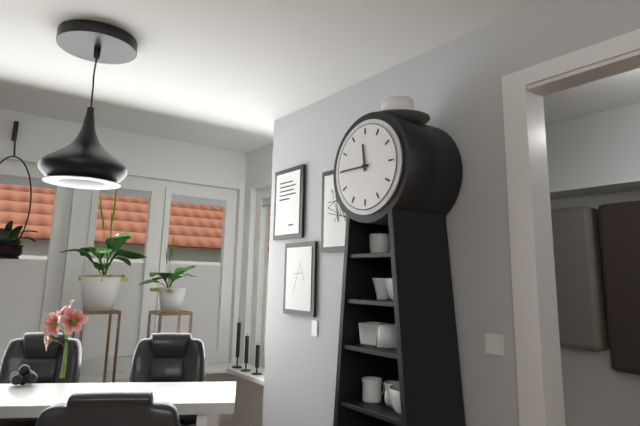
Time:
11h45
